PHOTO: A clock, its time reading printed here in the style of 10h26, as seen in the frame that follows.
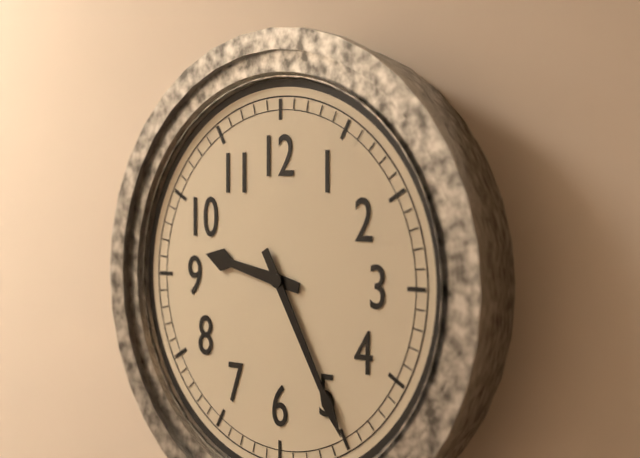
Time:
9h25
